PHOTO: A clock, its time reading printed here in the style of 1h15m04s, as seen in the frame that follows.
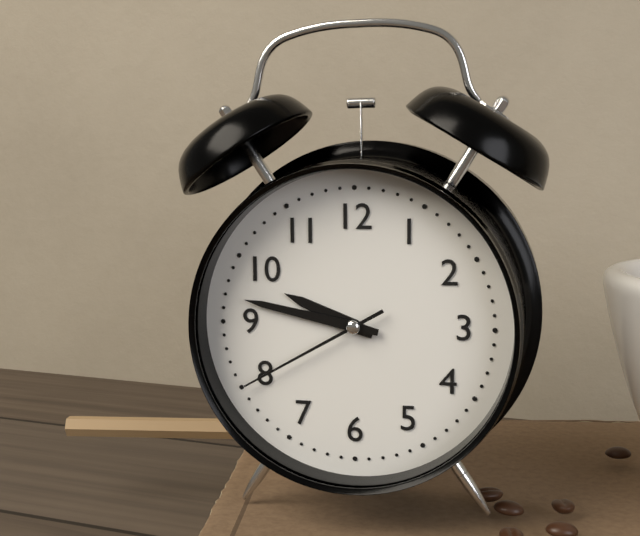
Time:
9h47m40s
